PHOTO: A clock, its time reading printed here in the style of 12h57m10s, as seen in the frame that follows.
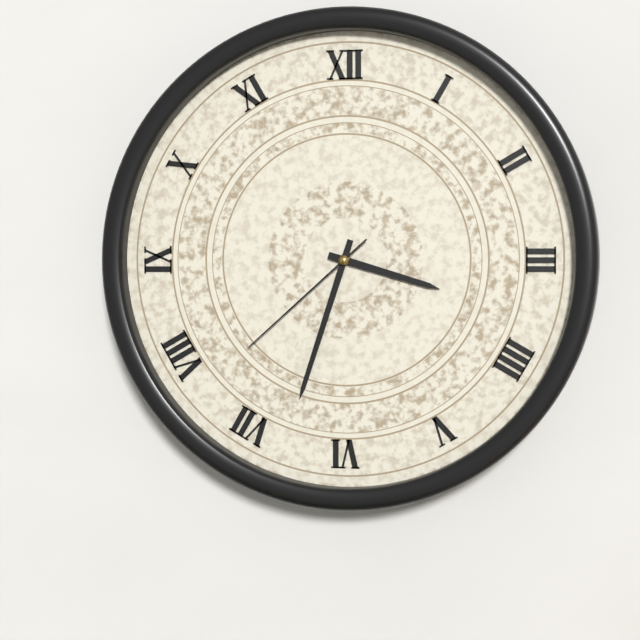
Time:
3h33m38s
